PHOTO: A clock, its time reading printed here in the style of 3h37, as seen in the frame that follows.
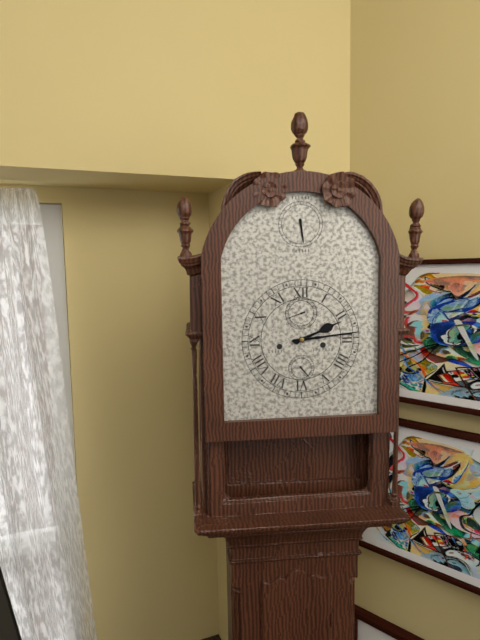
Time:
2h14
